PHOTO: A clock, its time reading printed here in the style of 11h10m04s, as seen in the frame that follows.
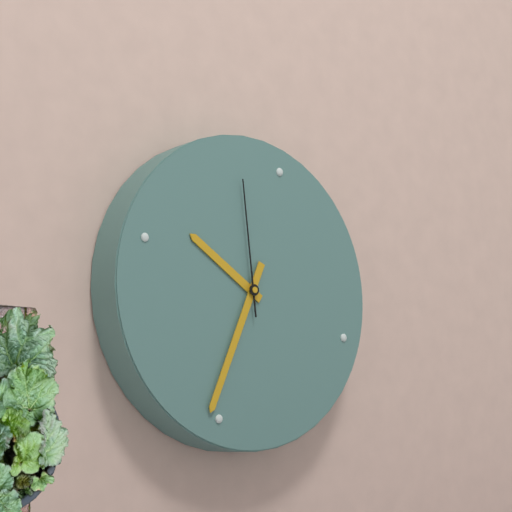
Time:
9h31m56s
